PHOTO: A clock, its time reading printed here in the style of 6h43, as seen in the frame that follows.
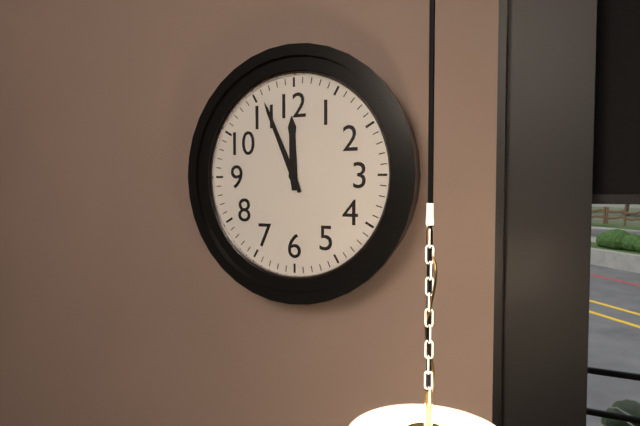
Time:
11h56
